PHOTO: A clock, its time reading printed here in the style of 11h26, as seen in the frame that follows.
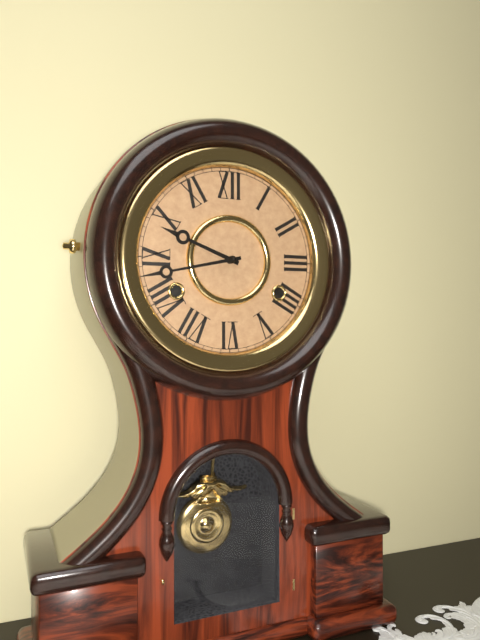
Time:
9h43
